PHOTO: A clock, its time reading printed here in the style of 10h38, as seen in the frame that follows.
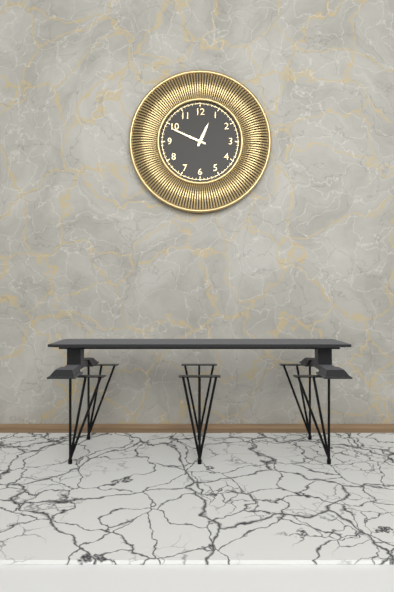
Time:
12h49
